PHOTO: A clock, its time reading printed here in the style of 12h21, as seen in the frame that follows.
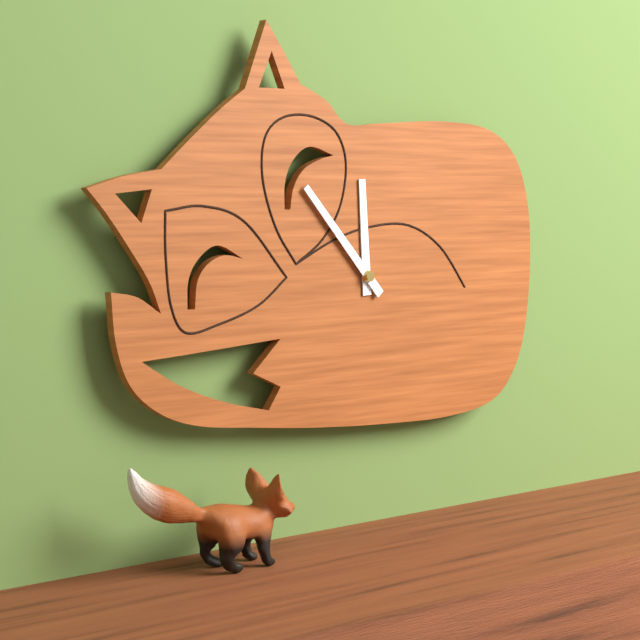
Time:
11h53
